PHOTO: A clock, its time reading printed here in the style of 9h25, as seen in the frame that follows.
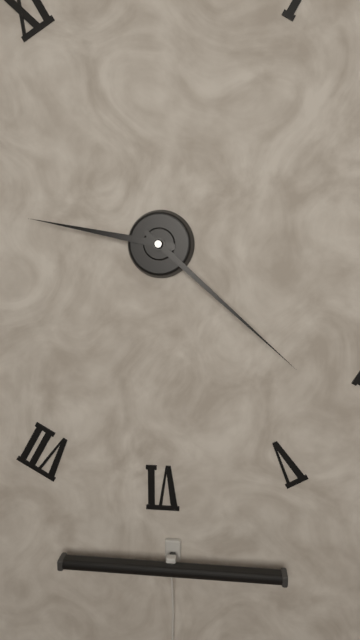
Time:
9h22
